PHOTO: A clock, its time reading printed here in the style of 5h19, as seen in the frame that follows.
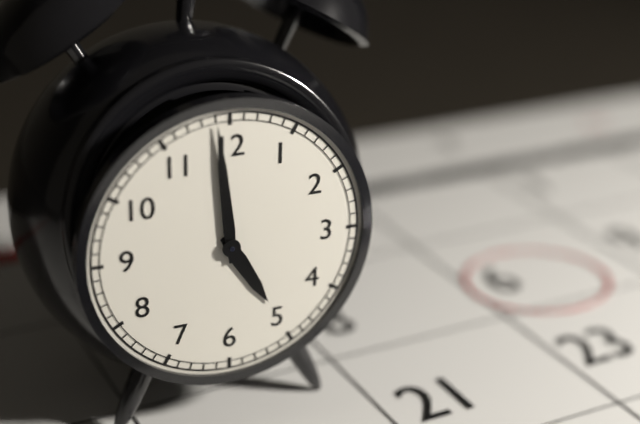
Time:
4h59
